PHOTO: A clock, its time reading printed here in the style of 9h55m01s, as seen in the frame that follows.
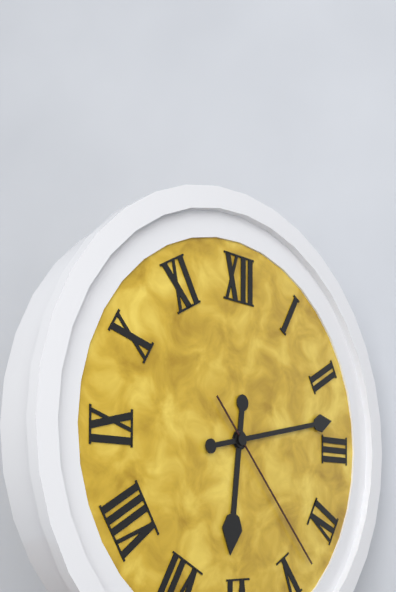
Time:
6h13m23s
